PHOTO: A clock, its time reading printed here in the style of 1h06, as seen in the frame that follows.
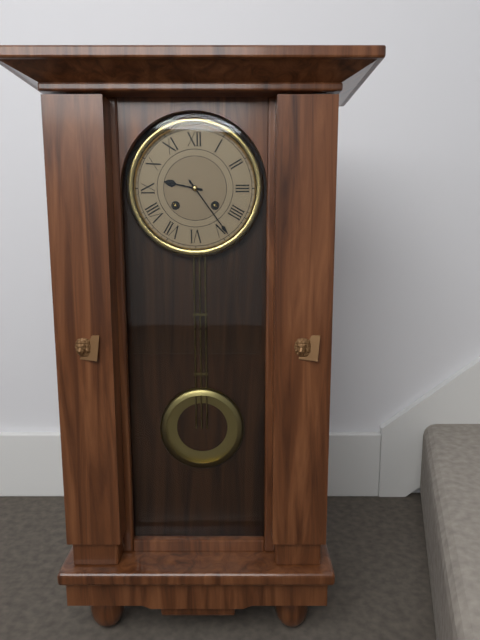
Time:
9h24
